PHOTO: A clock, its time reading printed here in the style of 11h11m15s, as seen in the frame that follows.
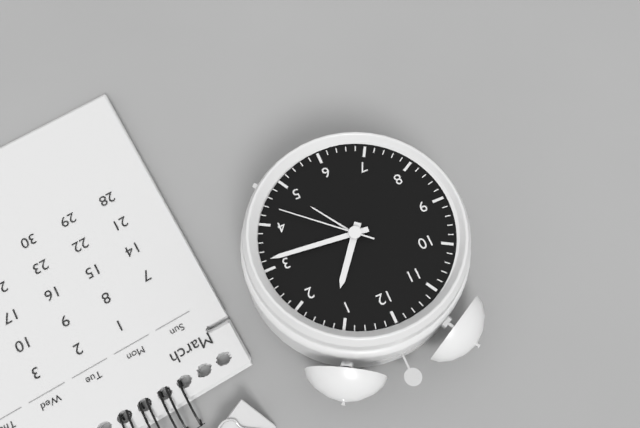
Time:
1h16m22s
